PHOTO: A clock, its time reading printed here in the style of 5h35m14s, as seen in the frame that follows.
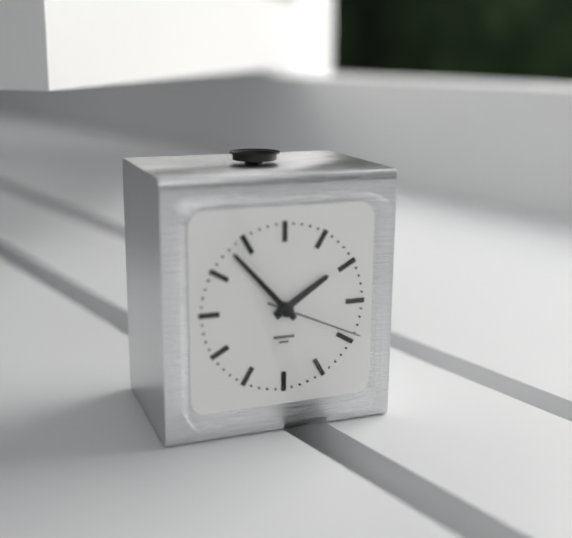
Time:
1h53m19s
